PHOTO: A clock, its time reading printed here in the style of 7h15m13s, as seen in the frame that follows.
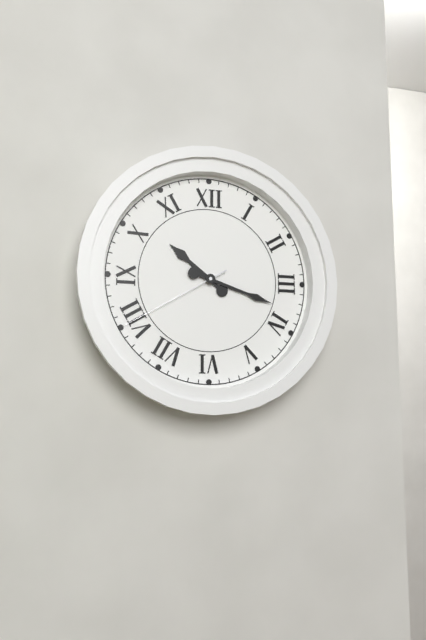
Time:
10h18m40s
